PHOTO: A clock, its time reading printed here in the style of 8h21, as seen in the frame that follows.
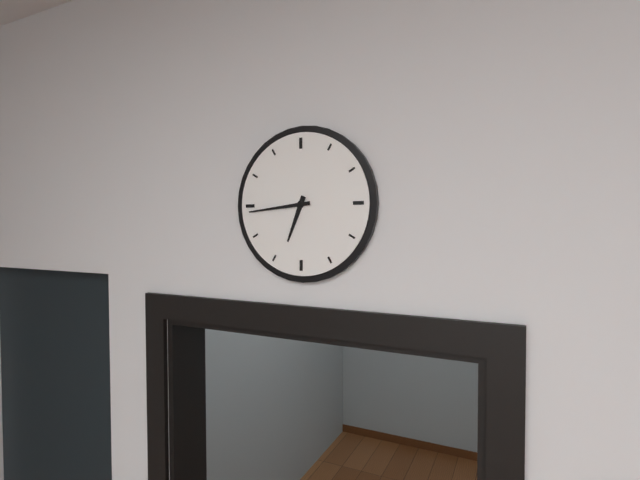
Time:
6h44
